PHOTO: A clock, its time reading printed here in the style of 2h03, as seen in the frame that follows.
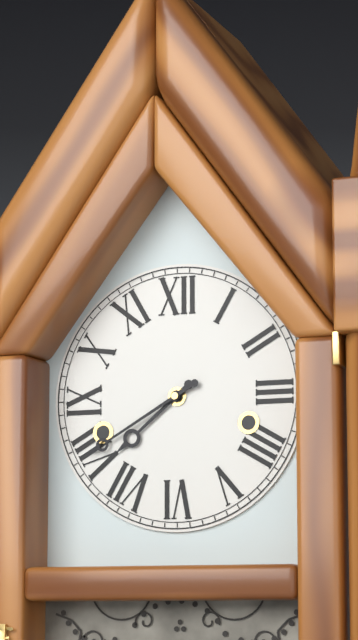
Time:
7h40
